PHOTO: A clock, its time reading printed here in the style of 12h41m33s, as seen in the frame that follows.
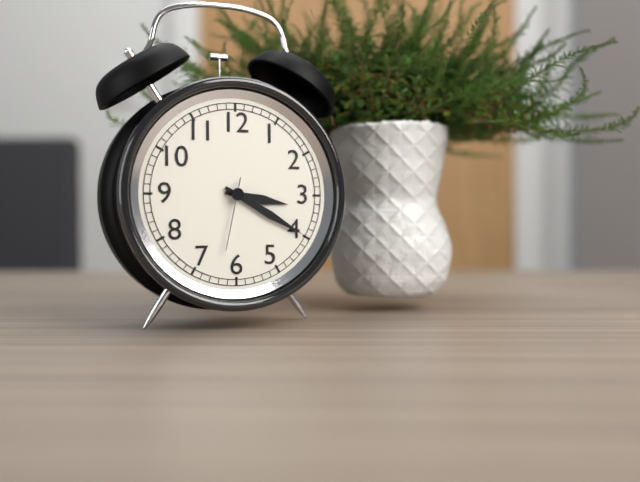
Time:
3h20m32s
